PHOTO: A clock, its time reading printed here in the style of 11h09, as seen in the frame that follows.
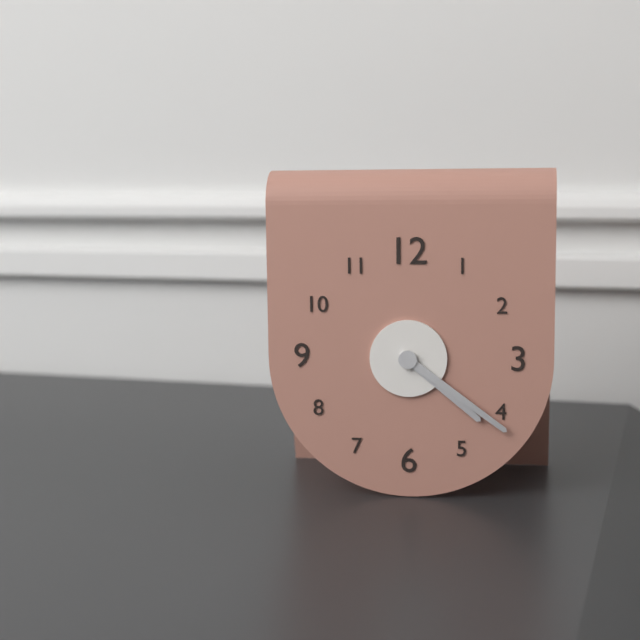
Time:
4h21
